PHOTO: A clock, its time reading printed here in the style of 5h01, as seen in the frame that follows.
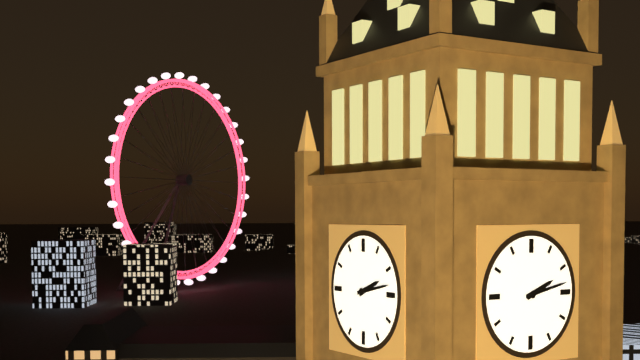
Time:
2h13
